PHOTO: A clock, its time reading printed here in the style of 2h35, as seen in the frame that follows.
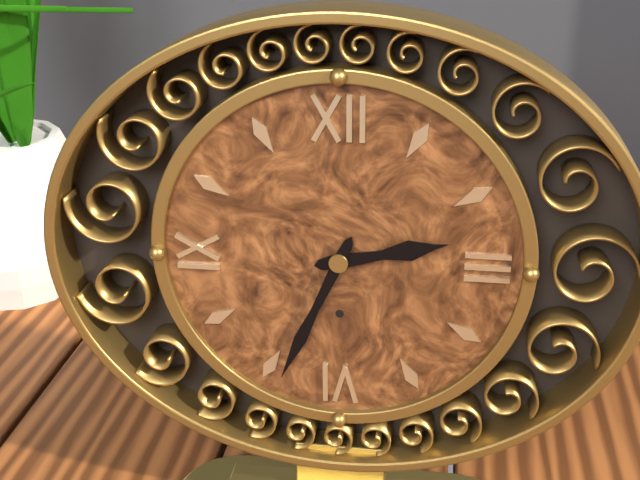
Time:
2h34
